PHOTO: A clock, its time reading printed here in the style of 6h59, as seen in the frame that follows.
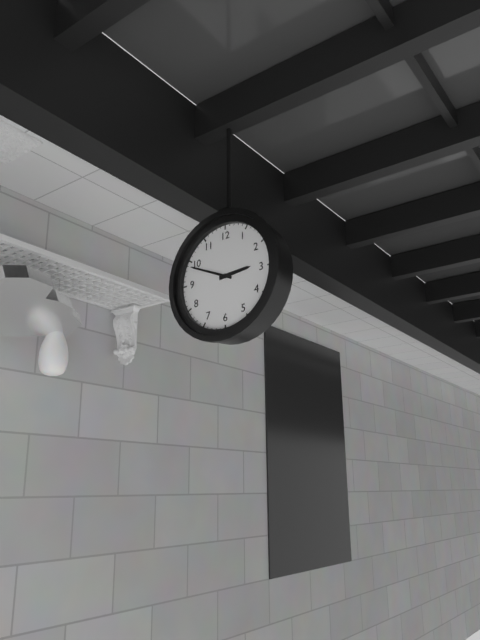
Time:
2h49
